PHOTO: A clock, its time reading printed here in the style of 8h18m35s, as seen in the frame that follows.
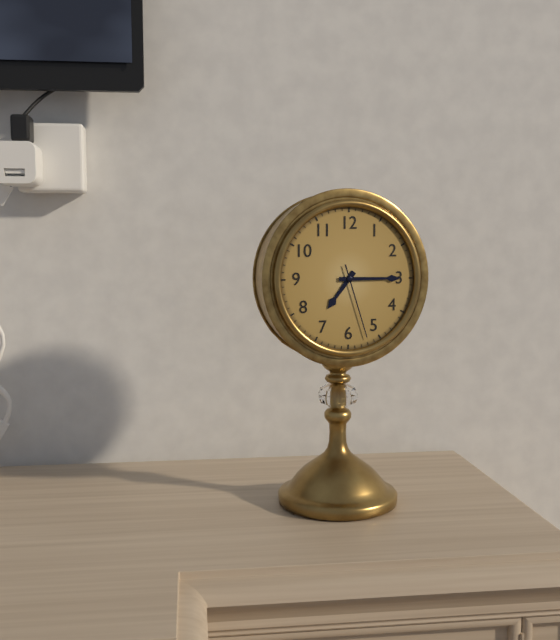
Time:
7h15m27s
